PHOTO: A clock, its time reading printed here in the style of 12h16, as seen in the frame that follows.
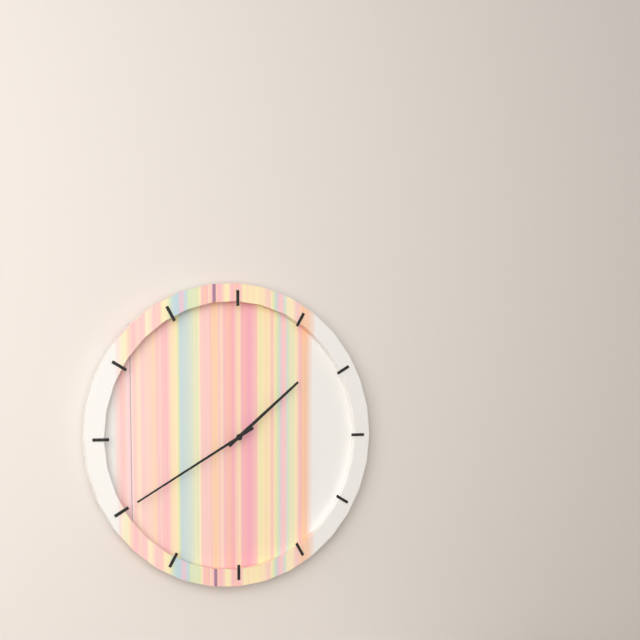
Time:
1h40
